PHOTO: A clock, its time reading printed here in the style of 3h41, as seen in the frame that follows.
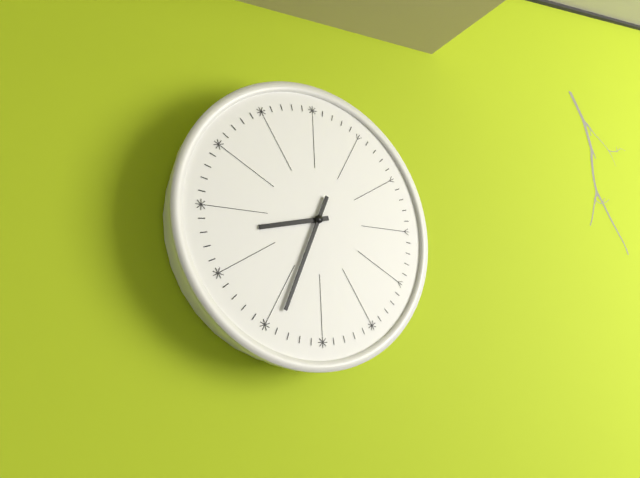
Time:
8h34
